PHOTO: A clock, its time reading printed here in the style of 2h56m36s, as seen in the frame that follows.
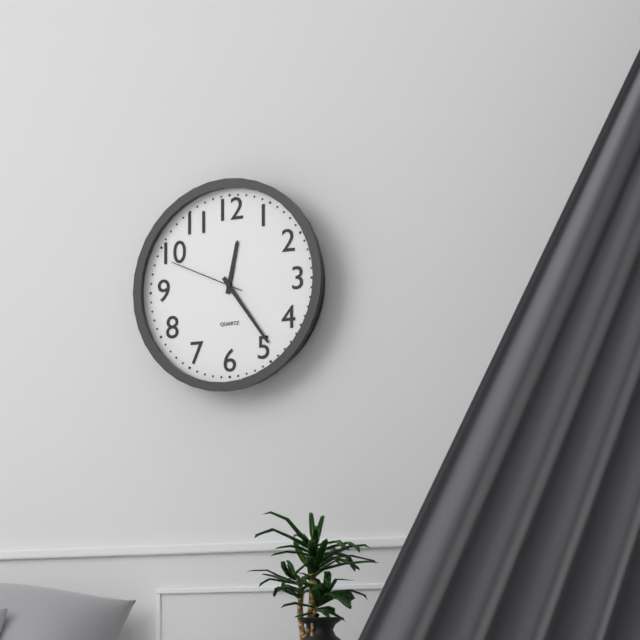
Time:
12h24m49s
